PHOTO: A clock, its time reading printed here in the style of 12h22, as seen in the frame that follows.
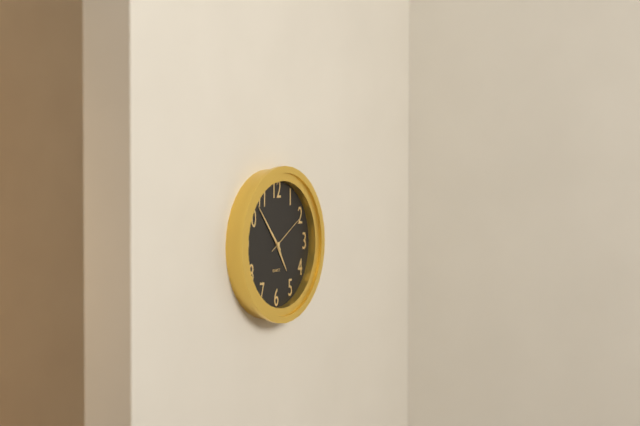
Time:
4h53
